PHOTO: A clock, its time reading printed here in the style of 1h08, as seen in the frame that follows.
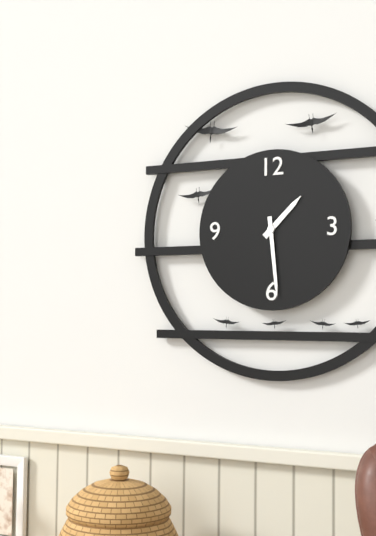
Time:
1h29
